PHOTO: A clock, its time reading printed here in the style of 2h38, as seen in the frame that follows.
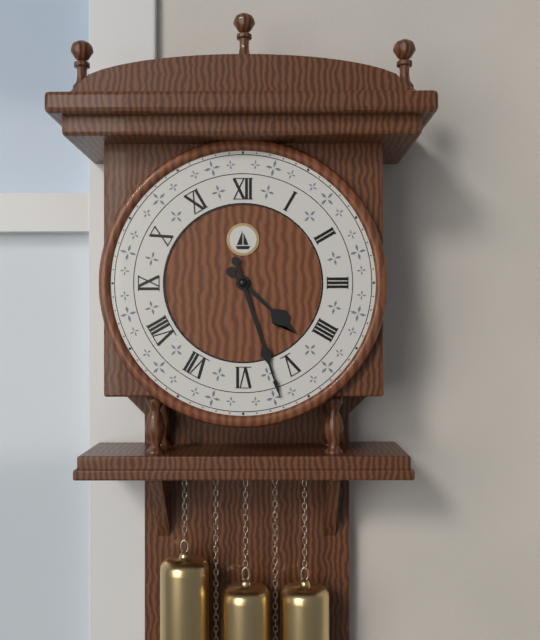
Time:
4h27
